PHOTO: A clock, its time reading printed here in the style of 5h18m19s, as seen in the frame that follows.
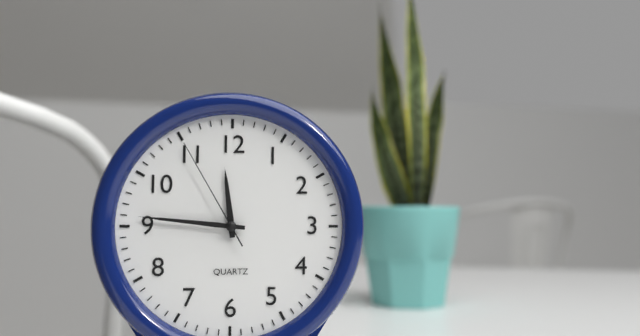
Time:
11h46m55s
